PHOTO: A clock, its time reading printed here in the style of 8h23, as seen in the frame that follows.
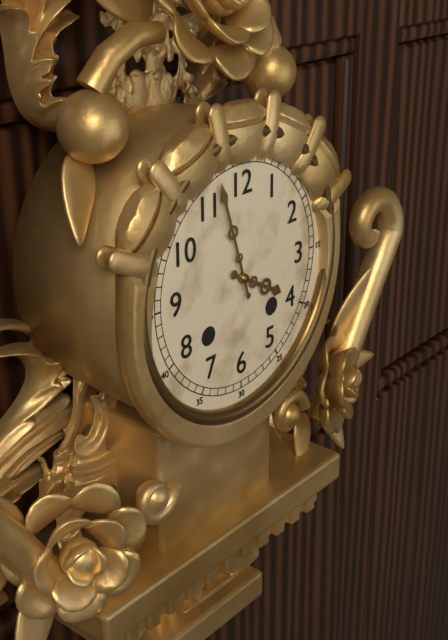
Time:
3h57
